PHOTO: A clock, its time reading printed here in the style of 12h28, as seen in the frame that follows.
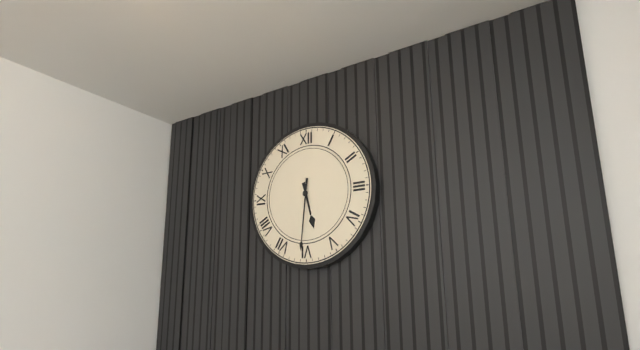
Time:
5h31
